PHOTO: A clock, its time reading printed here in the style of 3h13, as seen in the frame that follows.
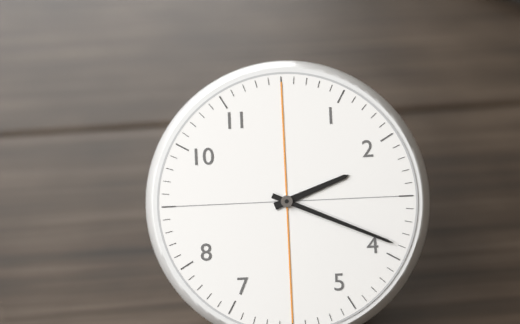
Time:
2h19
